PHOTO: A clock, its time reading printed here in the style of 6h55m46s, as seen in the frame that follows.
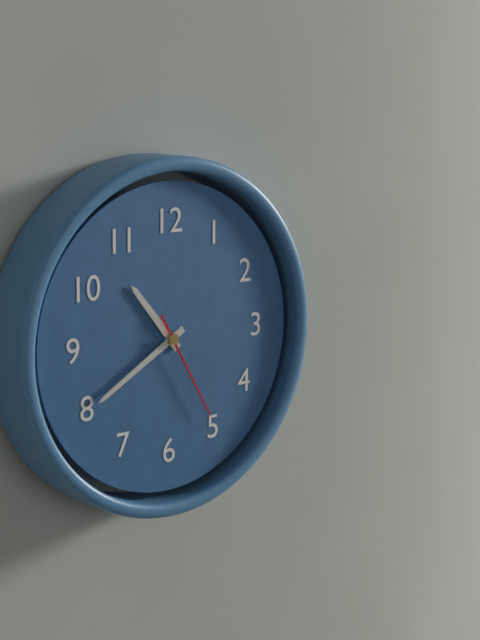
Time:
10h40m25s
